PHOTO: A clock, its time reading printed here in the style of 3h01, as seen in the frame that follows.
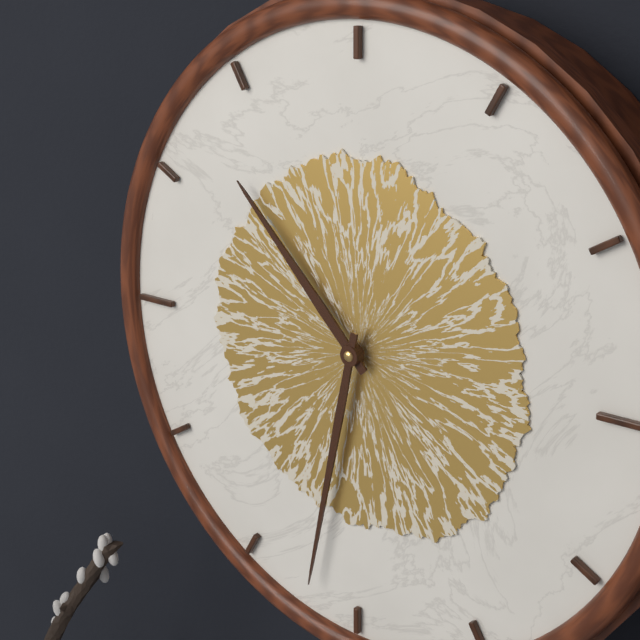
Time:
10h32
